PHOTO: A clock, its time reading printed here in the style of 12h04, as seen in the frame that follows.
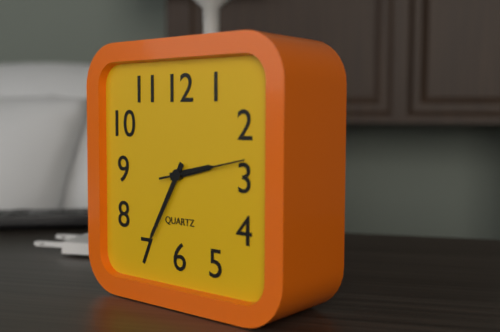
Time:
2h35
